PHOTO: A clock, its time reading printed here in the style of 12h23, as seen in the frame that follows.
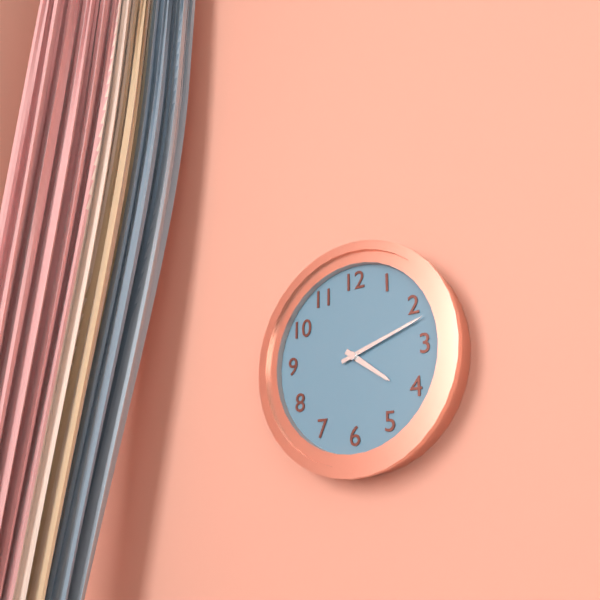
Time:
4h12
